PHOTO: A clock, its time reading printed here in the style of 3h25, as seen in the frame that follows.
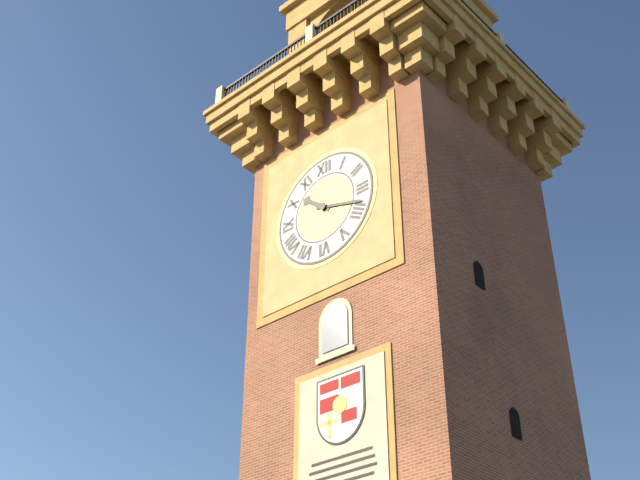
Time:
10h18
